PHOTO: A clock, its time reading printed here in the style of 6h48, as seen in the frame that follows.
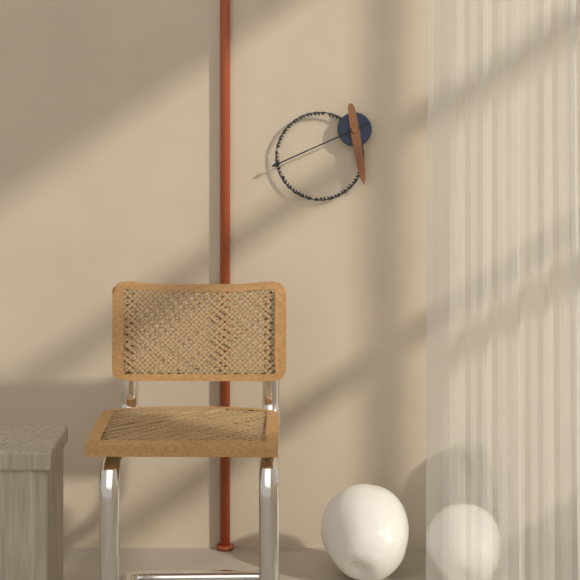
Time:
5h41
